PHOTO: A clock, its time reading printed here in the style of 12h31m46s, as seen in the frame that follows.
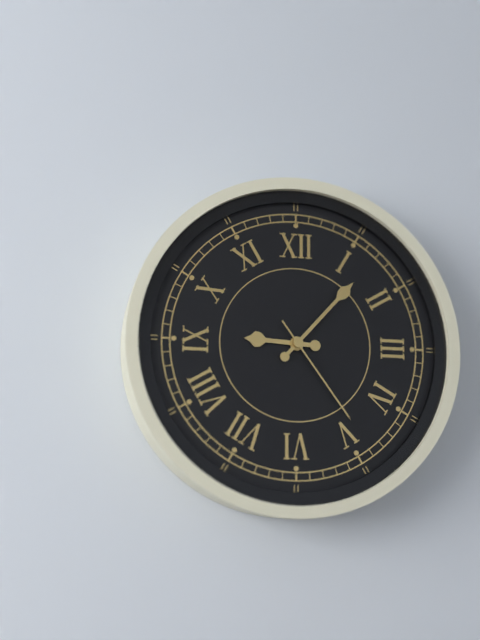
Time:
9h07m24s
